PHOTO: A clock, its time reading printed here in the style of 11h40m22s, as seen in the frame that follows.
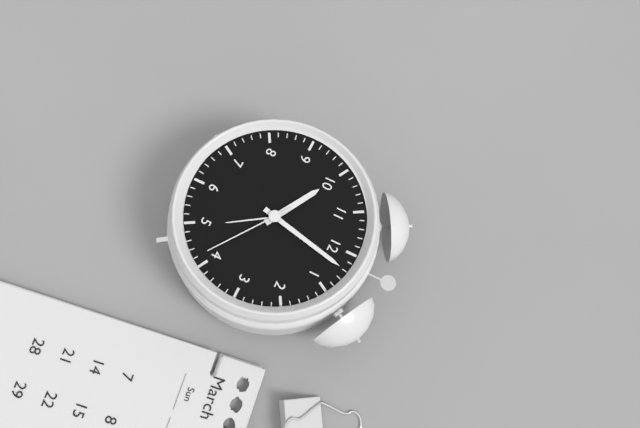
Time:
10h02m21s
